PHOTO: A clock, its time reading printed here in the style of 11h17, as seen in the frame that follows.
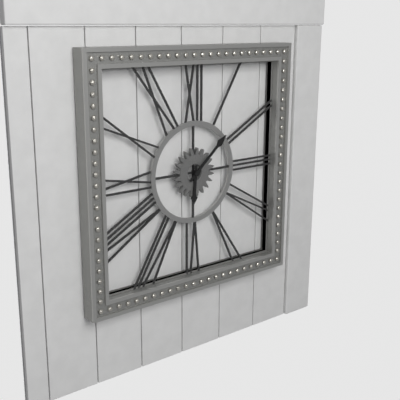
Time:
6h08
